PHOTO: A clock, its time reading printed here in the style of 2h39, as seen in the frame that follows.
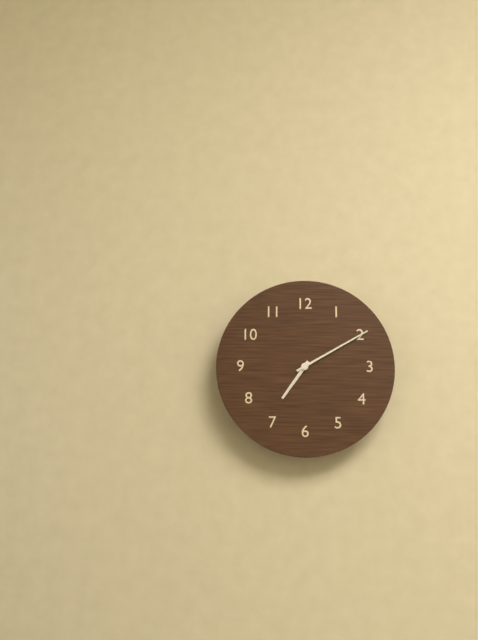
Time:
7h10
